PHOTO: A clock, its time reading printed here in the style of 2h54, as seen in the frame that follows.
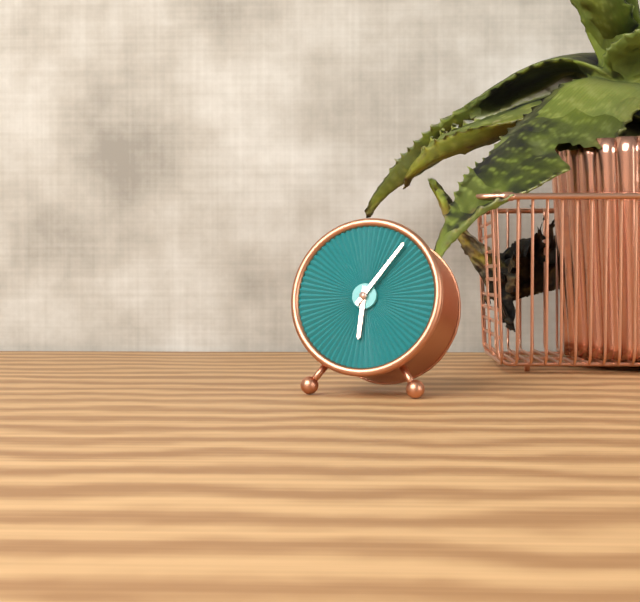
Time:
6h06
